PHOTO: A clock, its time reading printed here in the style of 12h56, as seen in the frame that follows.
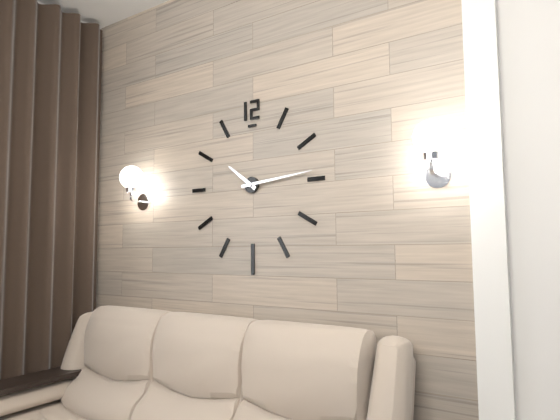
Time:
10h14
